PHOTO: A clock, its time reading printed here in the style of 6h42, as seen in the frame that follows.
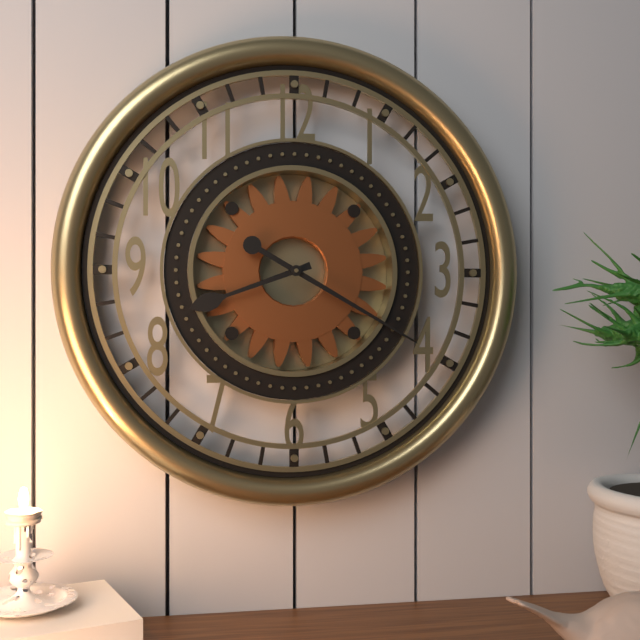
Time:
8h20
